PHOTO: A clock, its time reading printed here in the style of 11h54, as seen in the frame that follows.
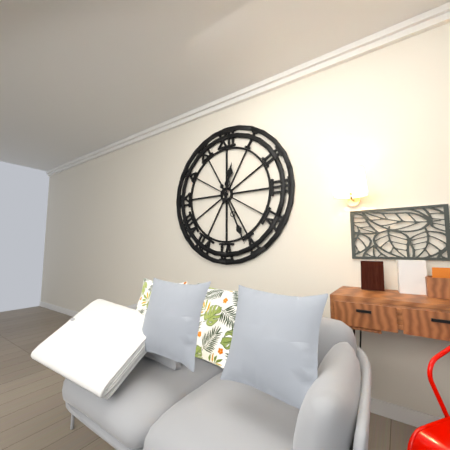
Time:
12h26
